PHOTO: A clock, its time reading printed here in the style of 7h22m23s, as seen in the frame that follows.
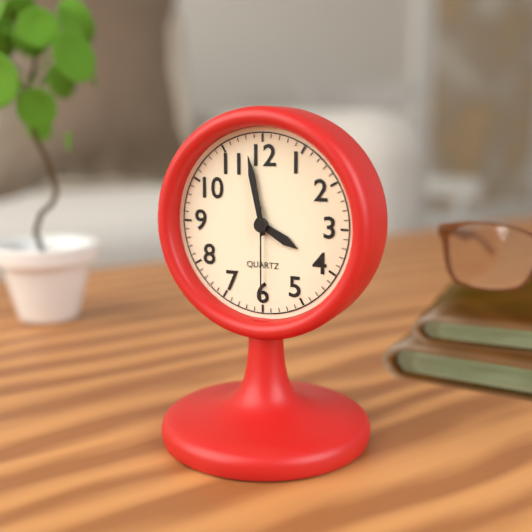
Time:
3h58m30s
